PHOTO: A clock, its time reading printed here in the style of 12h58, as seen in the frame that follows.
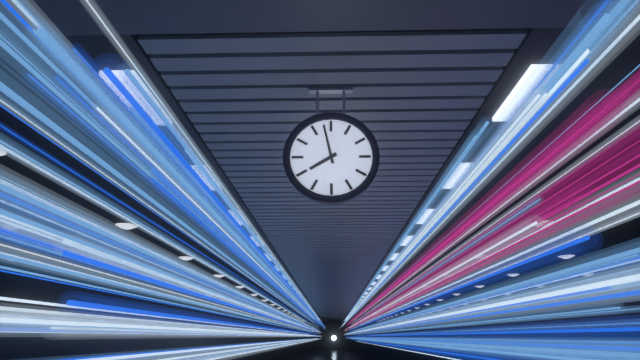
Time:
7h58
